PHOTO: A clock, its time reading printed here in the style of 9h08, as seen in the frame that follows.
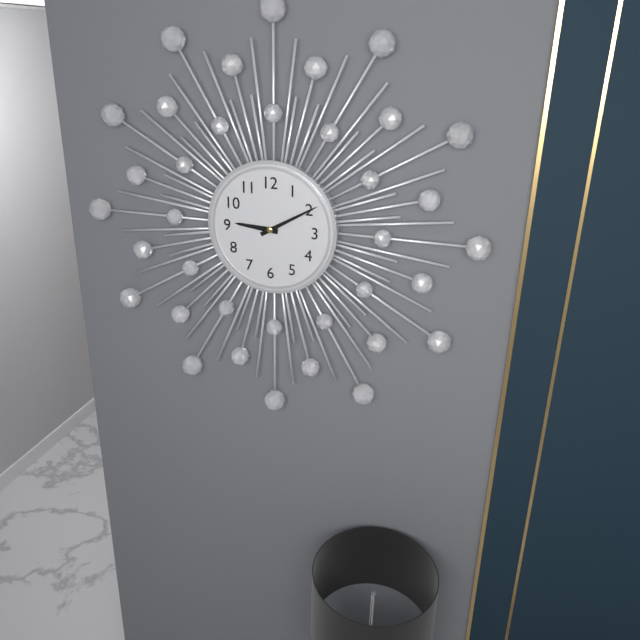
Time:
9h10
